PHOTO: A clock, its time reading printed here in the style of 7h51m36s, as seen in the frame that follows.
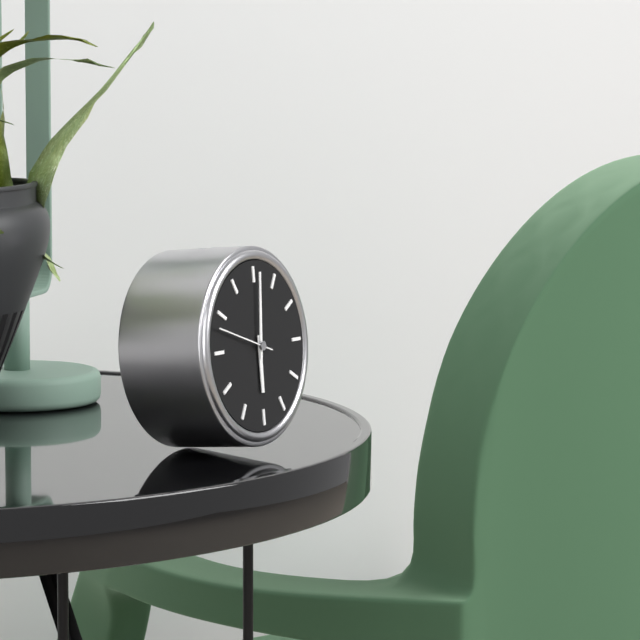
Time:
6h01m48s
